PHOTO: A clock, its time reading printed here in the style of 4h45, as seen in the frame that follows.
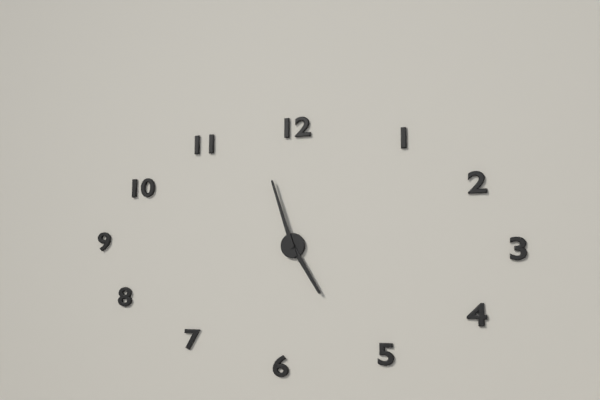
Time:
4h57
